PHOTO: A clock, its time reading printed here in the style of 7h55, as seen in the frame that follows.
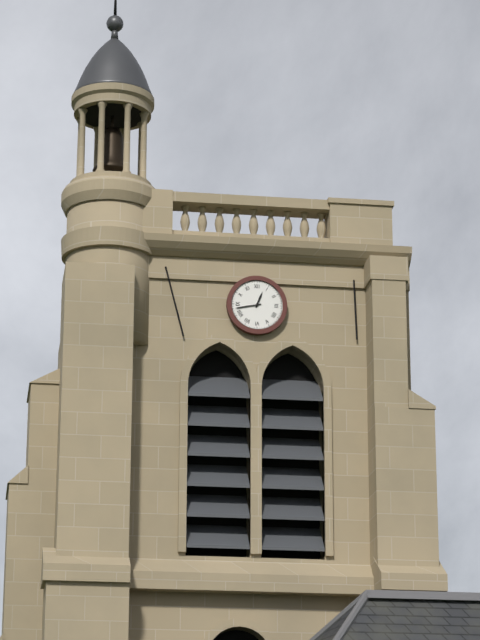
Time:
12h43
